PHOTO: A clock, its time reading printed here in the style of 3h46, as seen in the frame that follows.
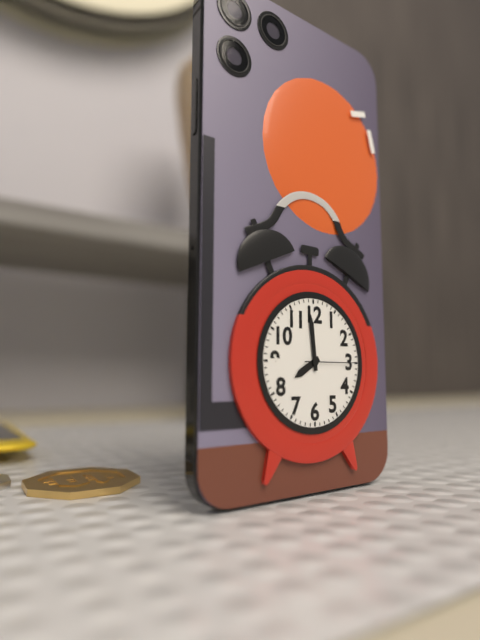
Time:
7h59
